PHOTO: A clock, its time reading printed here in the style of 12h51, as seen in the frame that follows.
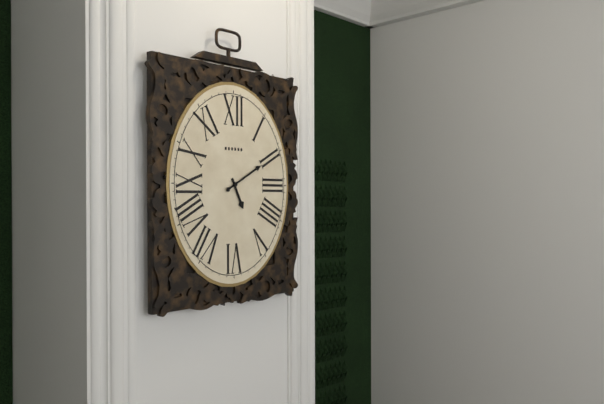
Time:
5h10
